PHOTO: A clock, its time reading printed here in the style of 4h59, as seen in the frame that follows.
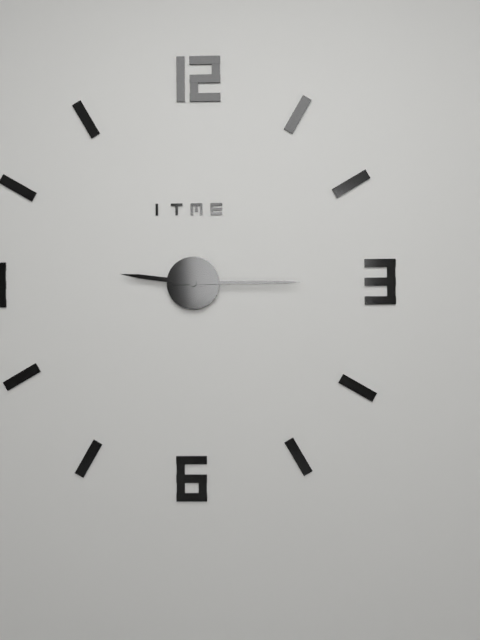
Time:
9h15
